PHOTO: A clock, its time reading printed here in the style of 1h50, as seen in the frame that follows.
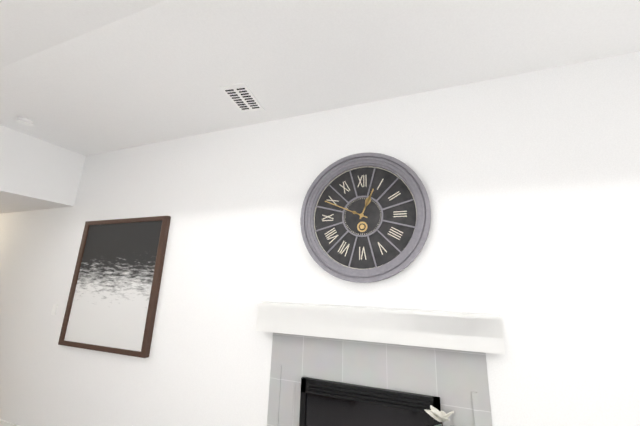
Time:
12h49
